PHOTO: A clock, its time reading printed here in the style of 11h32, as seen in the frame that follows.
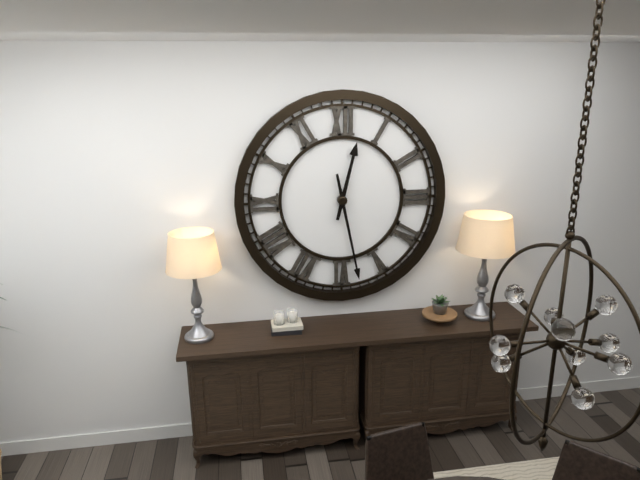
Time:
12h28
